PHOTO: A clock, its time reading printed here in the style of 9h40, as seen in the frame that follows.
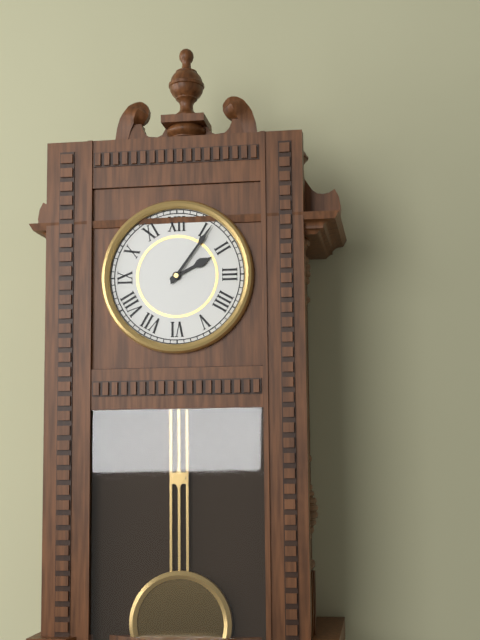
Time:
2h06
